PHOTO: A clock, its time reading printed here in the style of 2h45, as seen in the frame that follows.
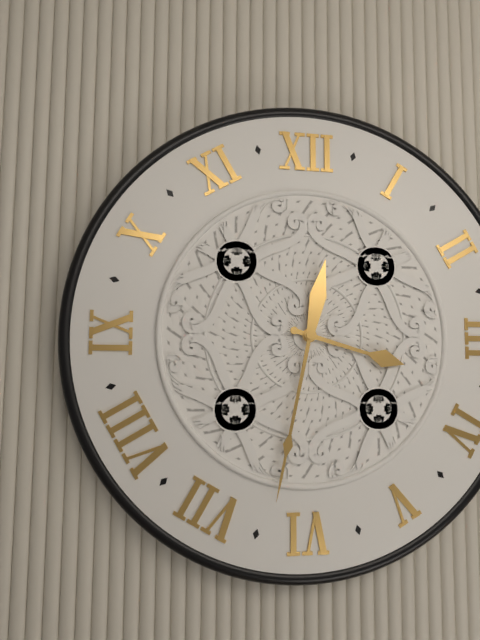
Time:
3h32
